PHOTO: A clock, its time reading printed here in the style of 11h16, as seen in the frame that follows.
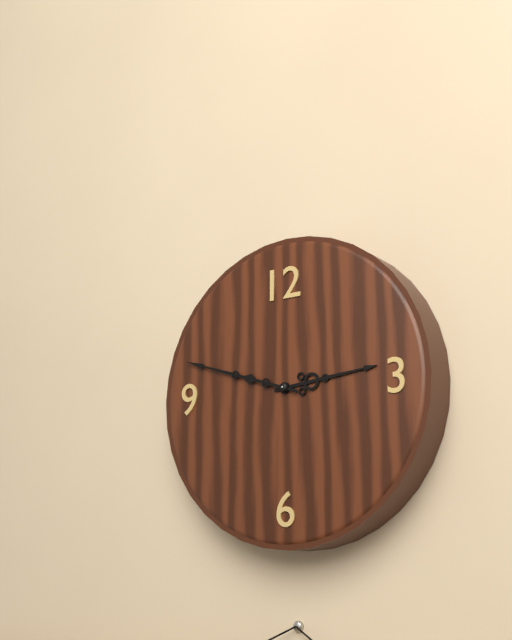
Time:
2h48
